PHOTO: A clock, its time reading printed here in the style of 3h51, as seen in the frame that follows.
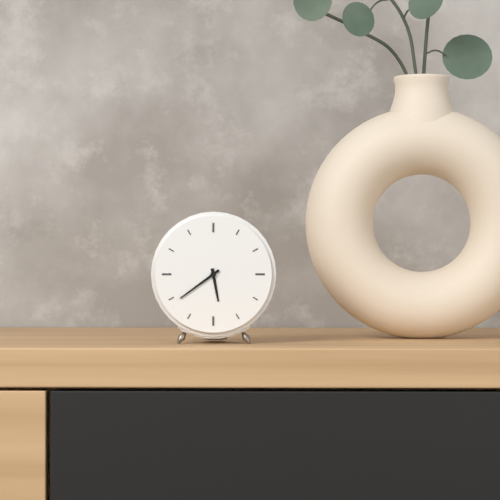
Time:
5h39
